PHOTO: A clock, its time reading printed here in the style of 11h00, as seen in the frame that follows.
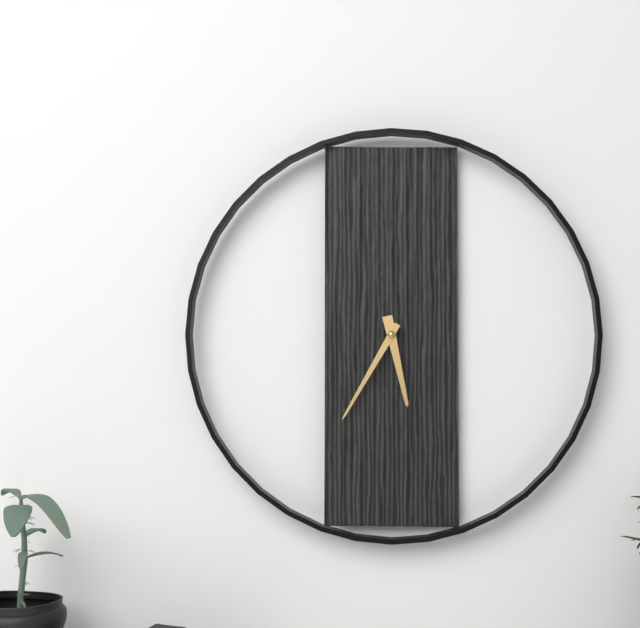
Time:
5h35
